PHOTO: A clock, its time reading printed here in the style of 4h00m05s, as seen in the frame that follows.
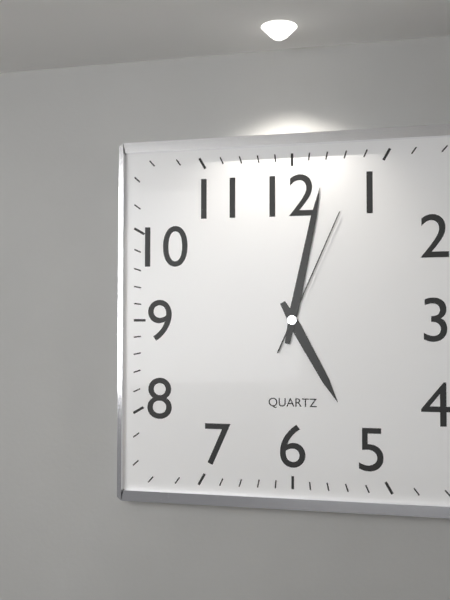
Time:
5h02m04s
